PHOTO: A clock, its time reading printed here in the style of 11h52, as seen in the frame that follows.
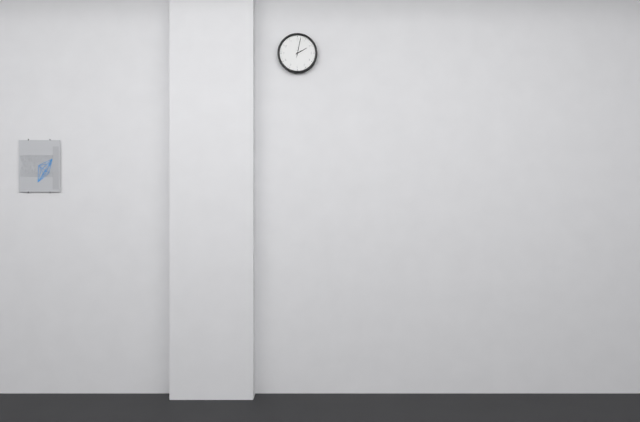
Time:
2h02
